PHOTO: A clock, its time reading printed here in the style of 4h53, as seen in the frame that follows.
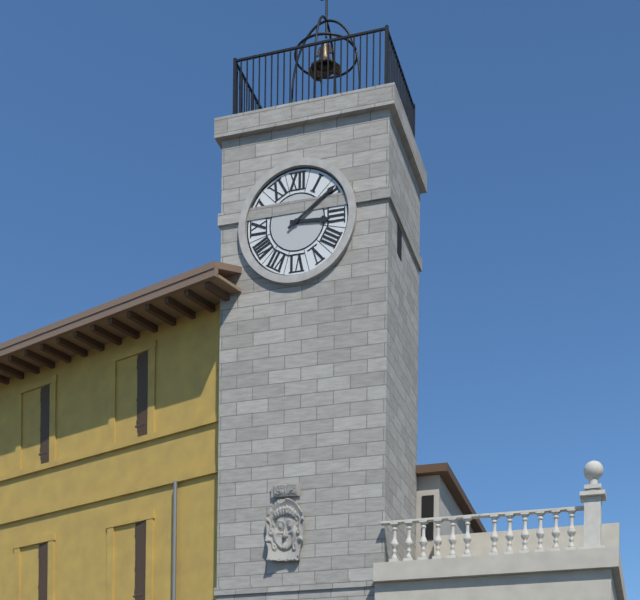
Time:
3h09
